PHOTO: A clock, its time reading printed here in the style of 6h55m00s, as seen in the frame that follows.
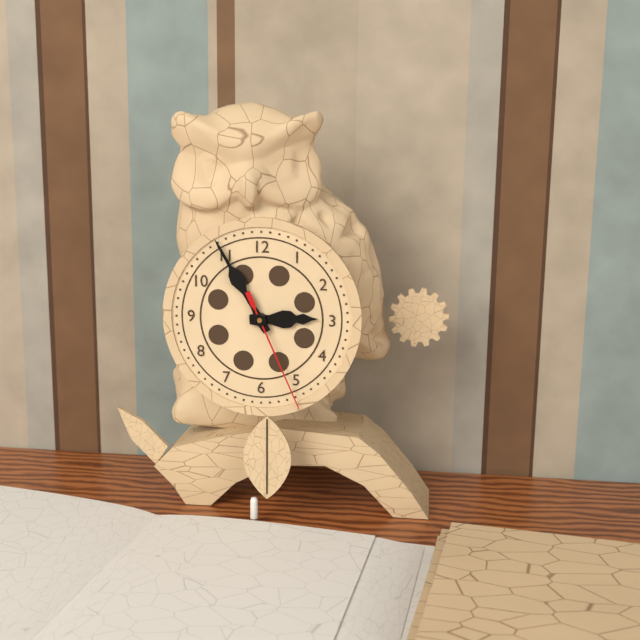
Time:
2h55m26s
